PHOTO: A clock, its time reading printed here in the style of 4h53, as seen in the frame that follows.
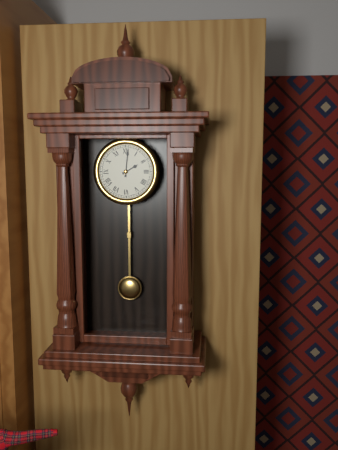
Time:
2h01
